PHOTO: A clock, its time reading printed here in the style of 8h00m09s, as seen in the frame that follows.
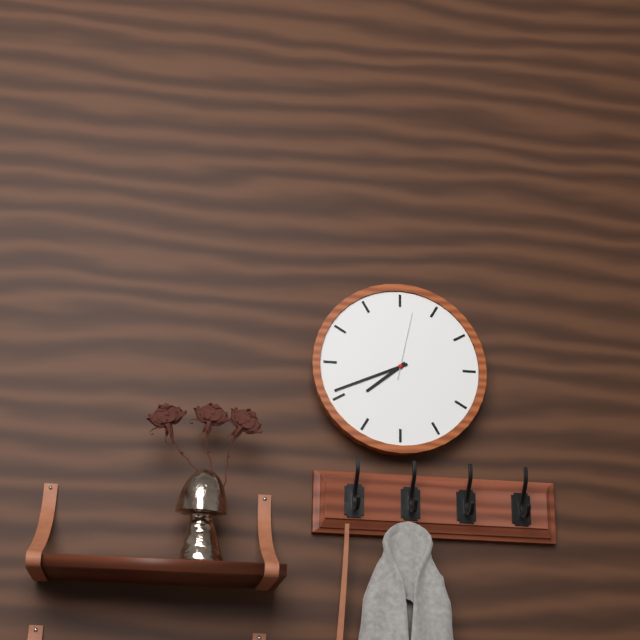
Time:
7h41m02s
